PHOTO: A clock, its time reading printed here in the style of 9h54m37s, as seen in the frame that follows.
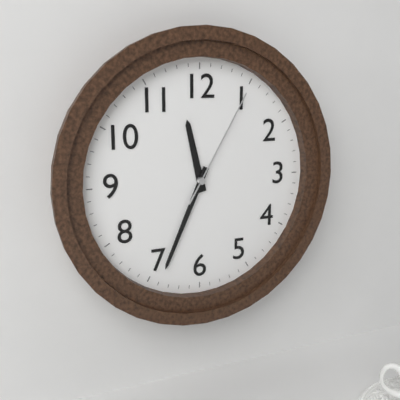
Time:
11h34m05s
